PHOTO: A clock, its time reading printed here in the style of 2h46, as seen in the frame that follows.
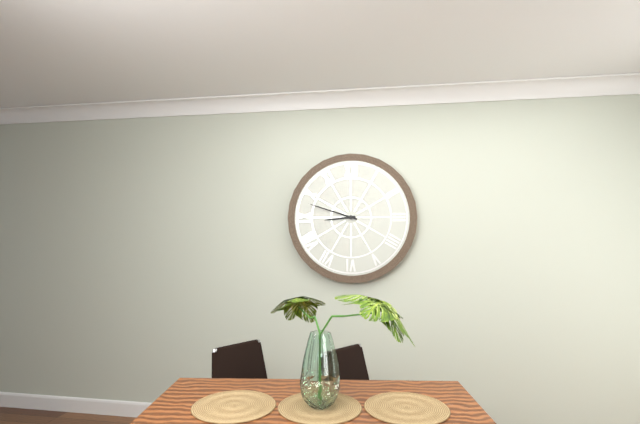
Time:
8h48
